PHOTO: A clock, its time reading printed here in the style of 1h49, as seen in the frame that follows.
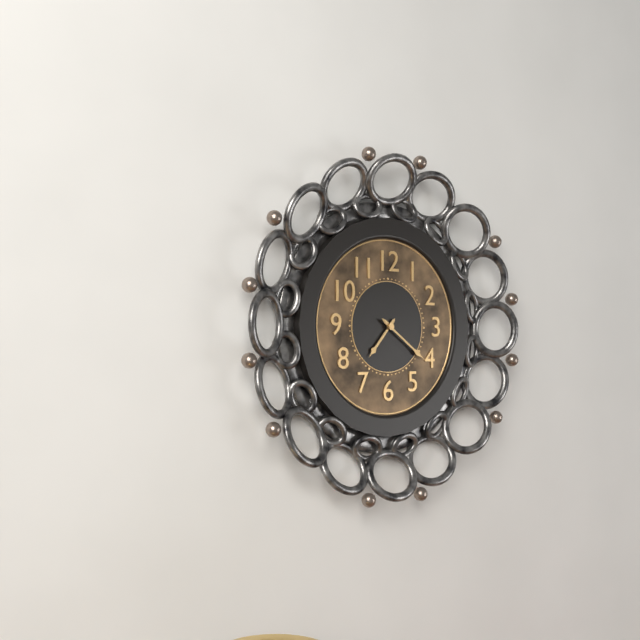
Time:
7h21
